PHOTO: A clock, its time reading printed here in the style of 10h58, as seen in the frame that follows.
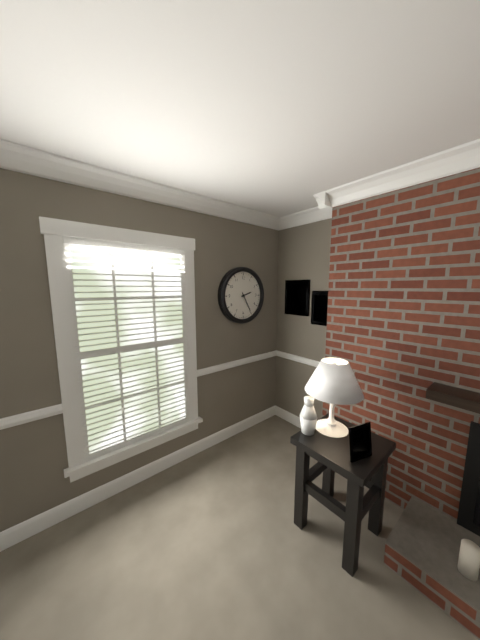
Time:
2h25
